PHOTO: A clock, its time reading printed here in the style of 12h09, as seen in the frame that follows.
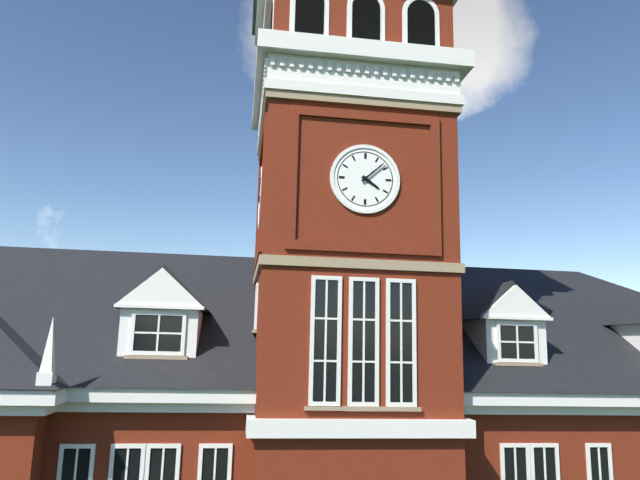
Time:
4h08
